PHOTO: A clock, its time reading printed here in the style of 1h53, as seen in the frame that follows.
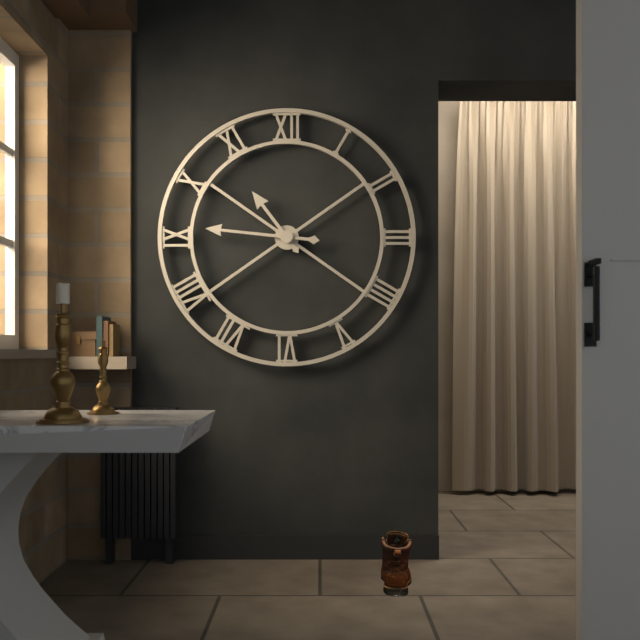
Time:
10h46
